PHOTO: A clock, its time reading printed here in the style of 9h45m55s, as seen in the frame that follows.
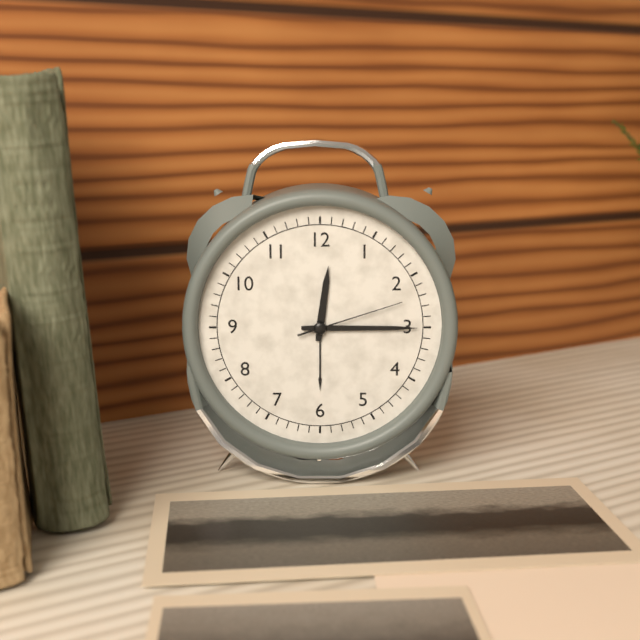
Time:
12h15m12s
